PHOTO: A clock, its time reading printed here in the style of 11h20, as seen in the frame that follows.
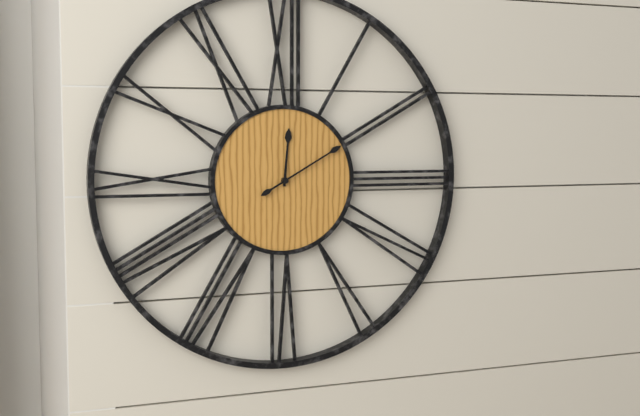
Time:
12h10
